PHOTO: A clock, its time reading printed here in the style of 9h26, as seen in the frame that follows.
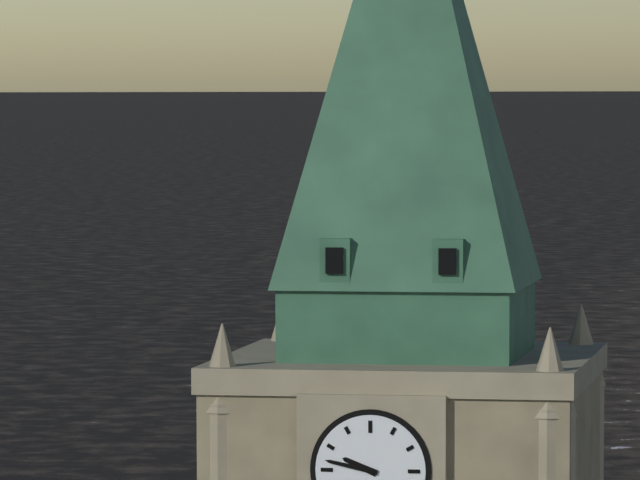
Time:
9h47
